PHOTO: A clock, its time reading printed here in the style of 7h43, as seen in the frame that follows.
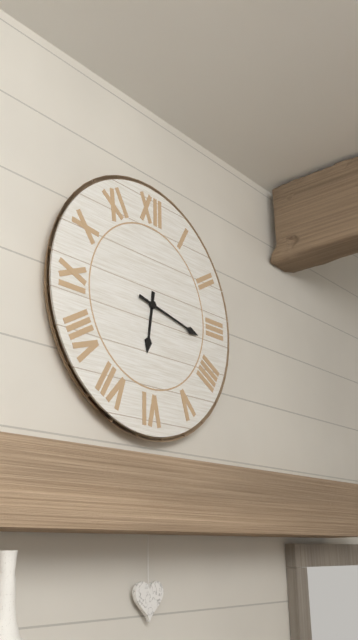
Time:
6h17
